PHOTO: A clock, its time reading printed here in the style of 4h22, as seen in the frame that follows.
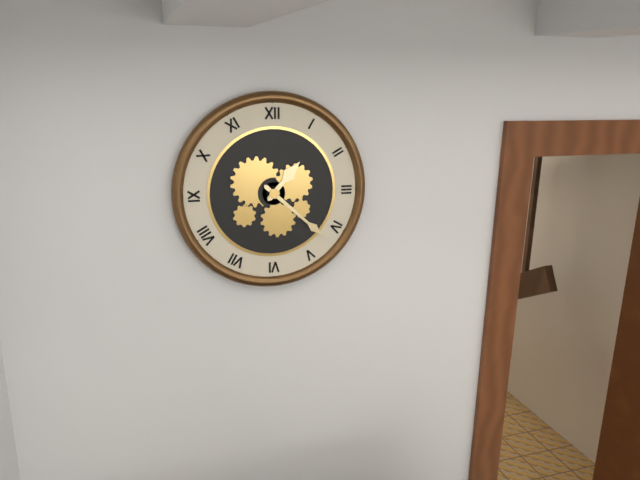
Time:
1h22
